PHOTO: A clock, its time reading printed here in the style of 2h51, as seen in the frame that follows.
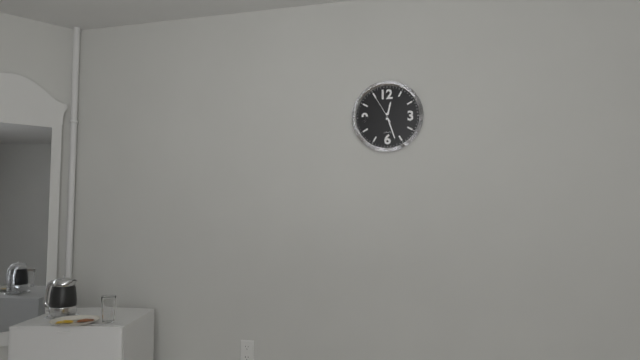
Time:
12h27
